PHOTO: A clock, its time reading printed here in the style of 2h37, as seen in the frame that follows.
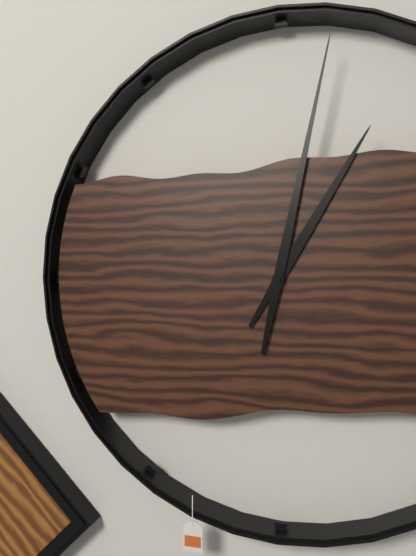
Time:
1h02
